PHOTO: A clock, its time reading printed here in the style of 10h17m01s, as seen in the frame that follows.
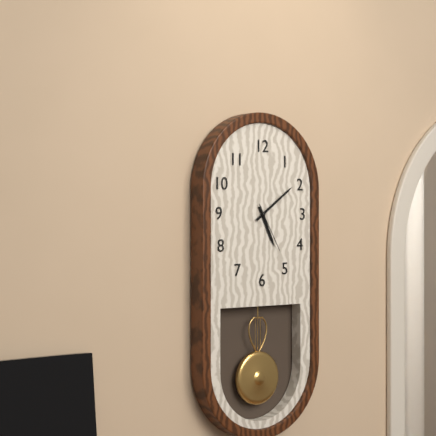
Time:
5h09m25s
